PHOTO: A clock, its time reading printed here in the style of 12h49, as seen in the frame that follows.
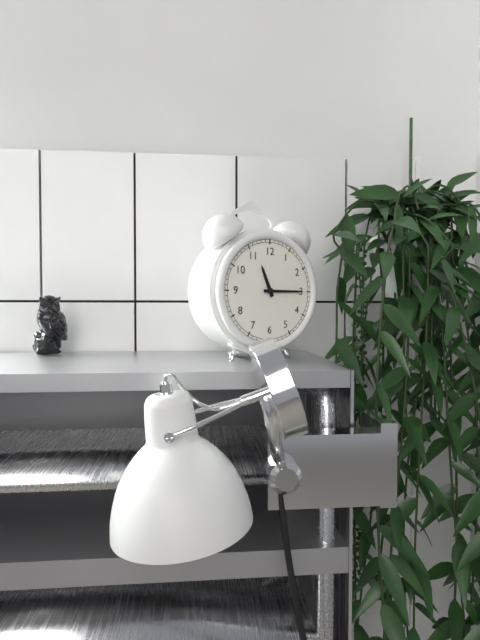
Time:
11h15
